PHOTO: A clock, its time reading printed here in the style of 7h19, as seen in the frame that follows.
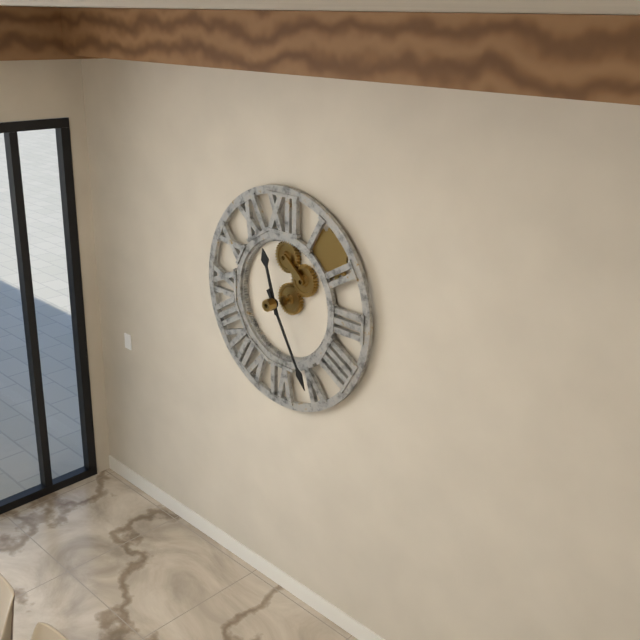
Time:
11h25
